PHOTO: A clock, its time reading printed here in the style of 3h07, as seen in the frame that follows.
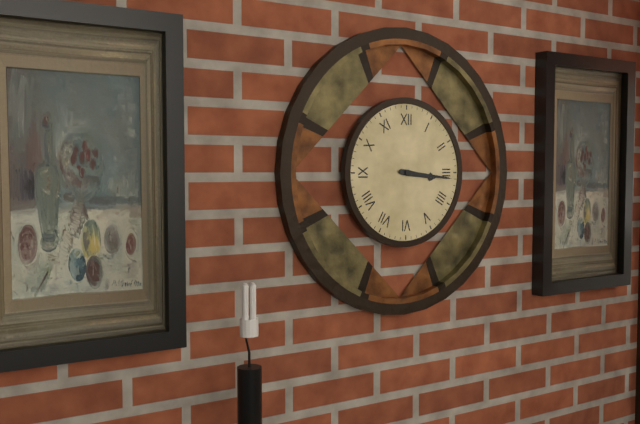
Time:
3h16
